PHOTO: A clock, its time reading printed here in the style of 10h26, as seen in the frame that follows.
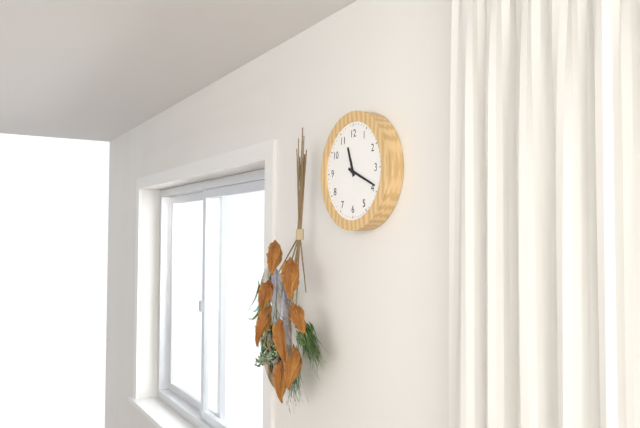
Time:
11h19
